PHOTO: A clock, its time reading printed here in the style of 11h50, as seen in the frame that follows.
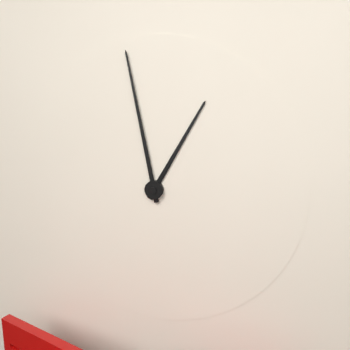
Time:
12h58
